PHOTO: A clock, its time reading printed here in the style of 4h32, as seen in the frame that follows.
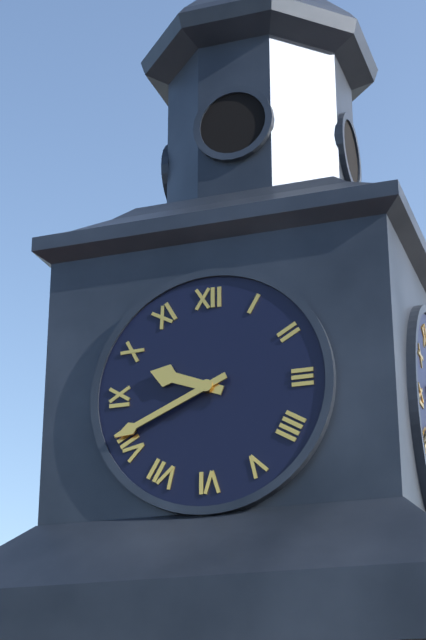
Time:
9h41
